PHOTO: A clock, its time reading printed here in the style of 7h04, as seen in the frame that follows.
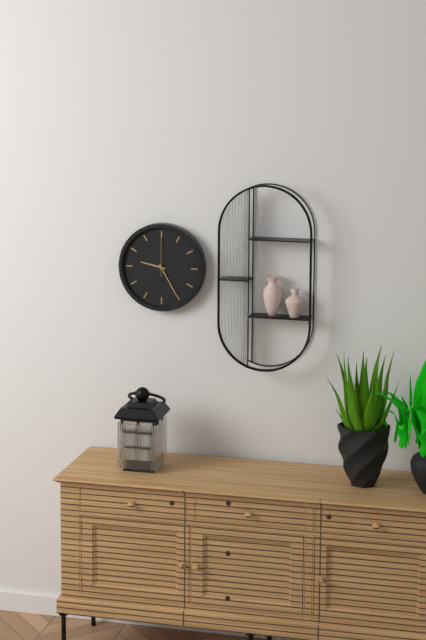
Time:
9h25
